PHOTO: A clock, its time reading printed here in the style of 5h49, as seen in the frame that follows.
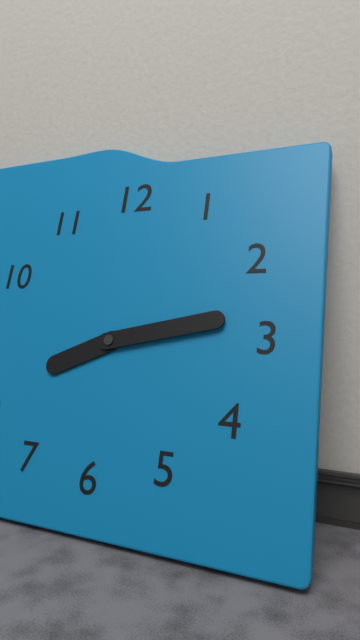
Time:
8h13
